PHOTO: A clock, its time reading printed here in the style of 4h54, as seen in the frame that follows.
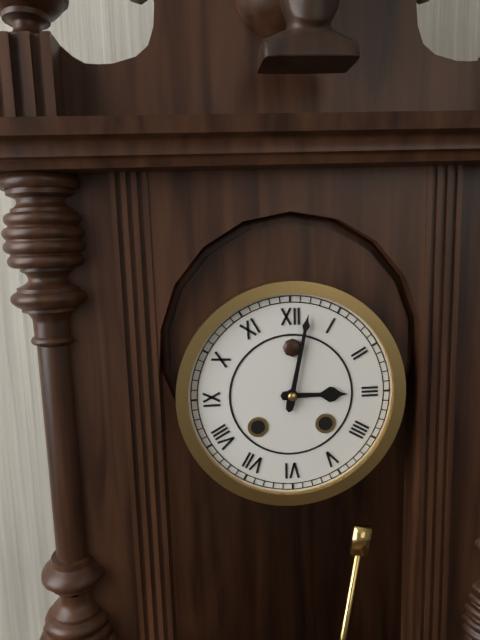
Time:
3h02
